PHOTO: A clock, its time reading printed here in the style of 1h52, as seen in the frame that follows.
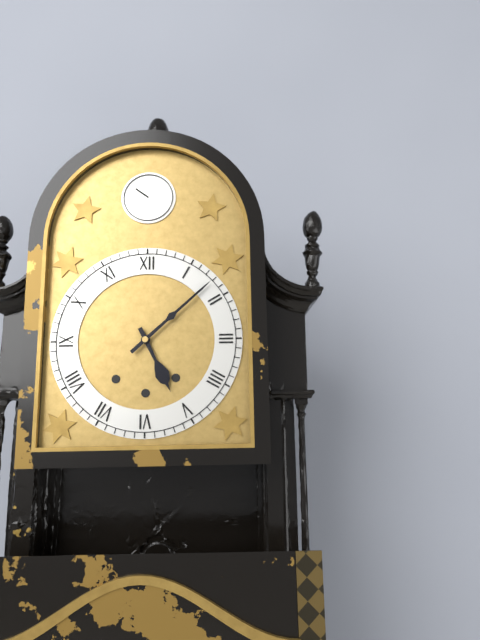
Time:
5h08
